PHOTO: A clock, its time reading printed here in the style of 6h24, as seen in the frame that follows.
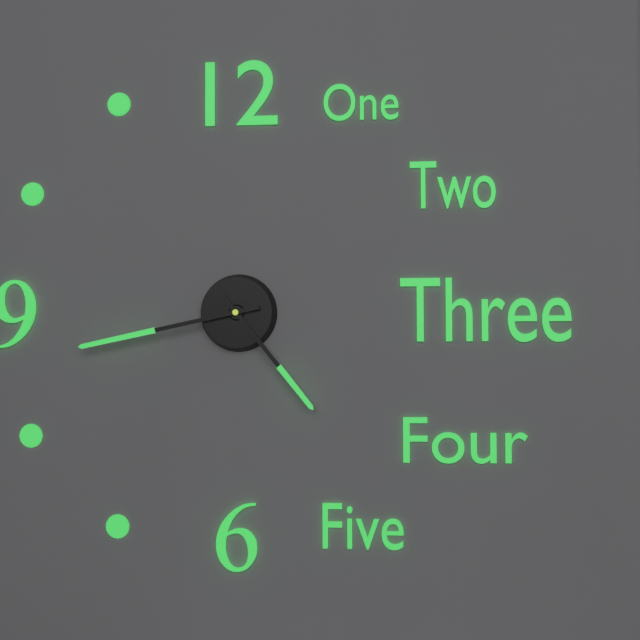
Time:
4h43
